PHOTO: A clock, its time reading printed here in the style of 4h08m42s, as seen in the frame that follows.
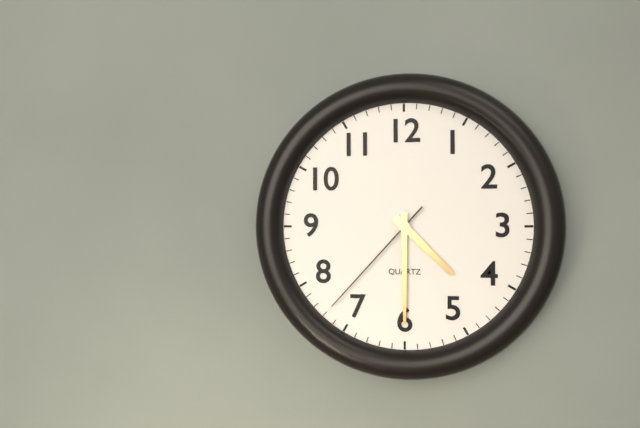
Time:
4h30m37s
